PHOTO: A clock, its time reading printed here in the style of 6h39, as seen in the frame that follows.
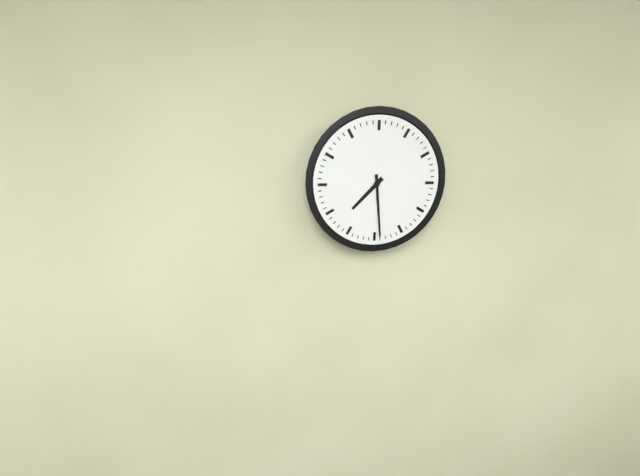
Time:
7h29
